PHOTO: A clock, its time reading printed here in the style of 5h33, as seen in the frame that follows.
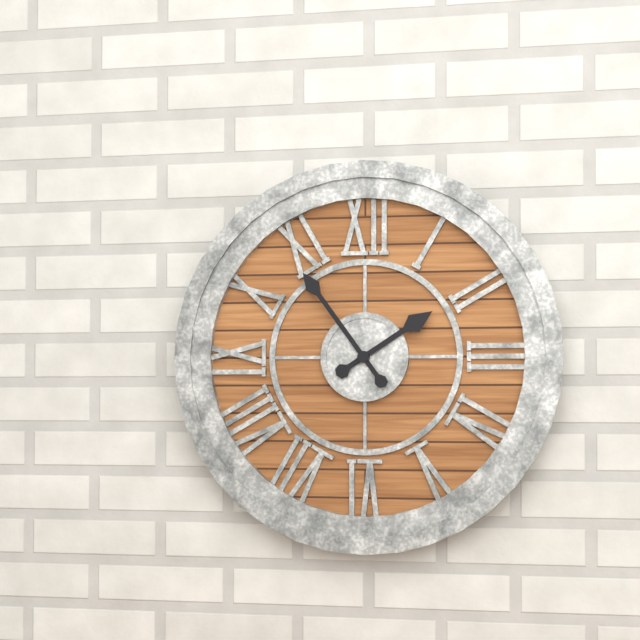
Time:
1h54
